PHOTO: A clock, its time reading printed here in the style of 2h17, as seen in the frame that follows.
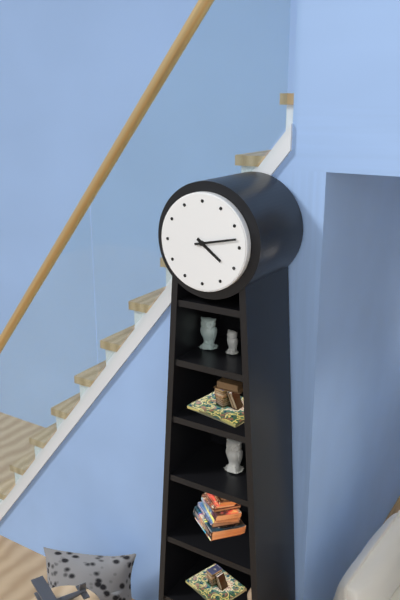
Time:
4h13
